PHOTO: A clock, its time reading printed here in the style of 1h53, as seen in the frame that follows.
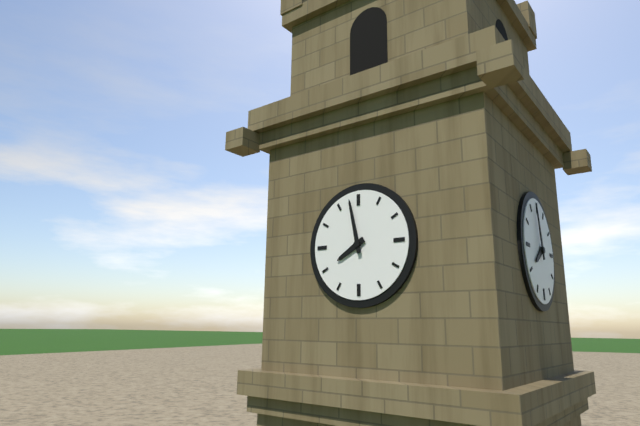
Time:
7h58
